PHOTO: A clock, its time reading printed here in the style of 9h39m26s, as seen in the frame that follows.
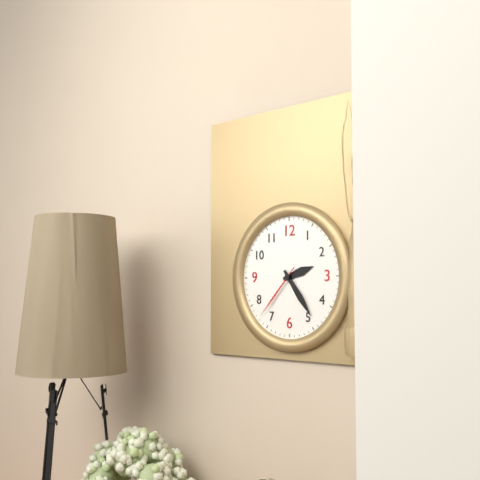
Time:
2h24m37s
